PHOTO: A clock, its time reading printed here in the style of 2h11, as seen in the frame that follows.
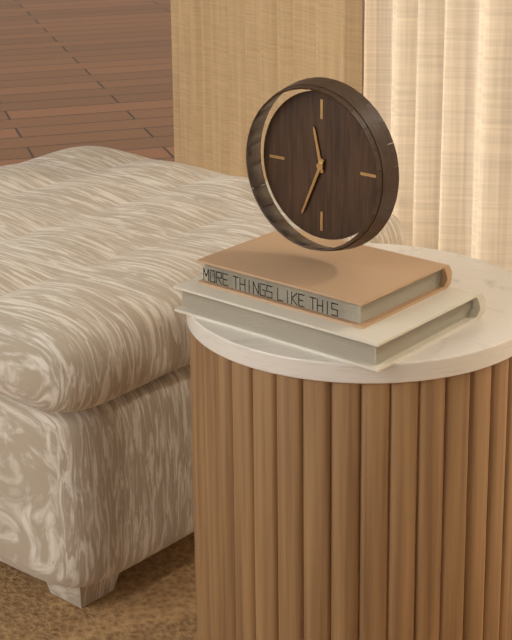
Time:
11h34
